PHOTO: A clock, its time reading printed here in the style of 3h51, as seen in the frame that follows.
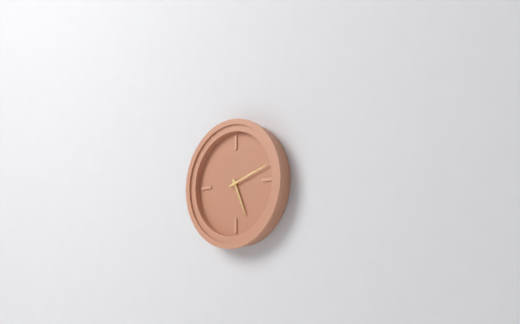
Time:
5h12
